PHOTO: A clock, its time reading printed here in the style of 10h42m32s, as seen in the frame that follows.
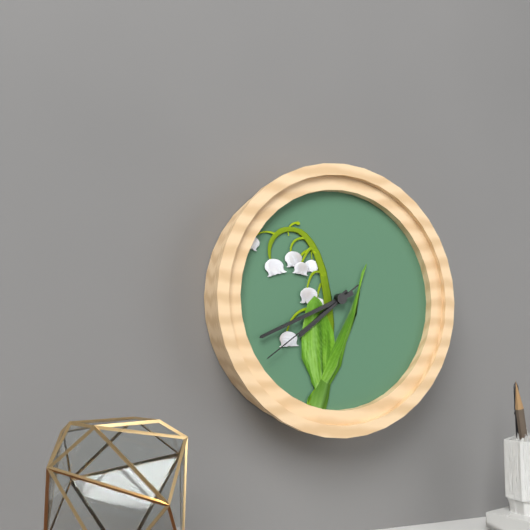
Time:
7h41m39s
